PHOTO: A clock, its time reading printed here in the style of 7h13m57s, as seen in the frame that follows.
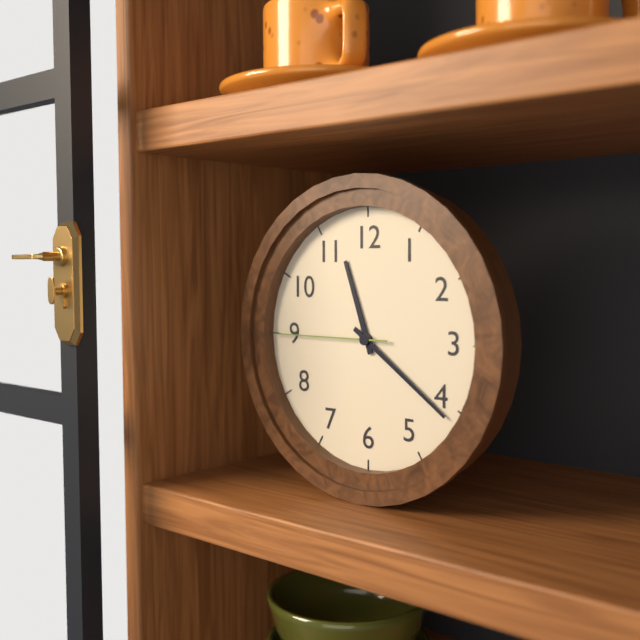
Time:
11h21m45s
